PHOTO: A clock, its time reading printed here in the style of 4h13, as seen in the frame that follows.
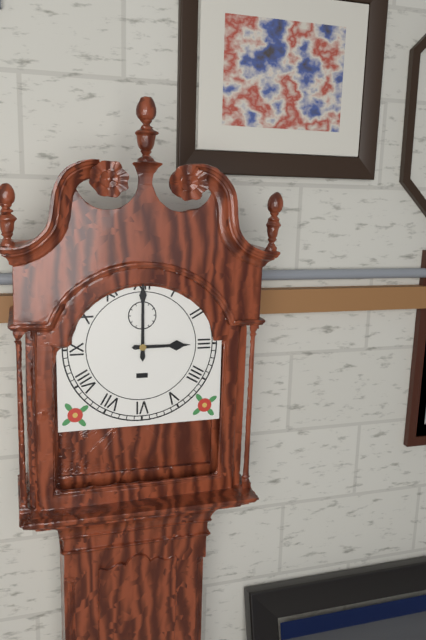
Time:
3h00
